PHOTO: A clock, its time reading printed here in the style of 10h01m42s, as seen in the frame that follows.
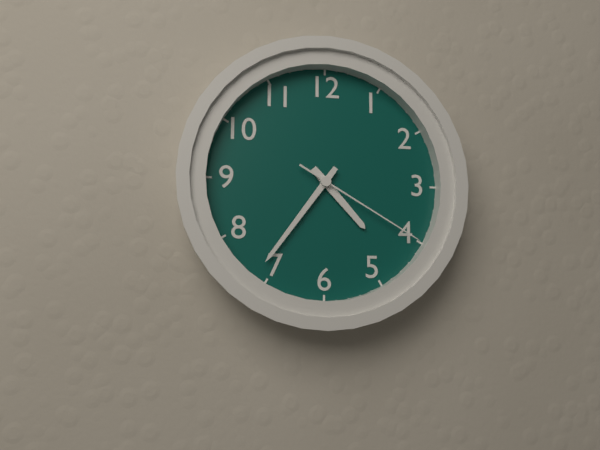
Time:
4h36m20s
